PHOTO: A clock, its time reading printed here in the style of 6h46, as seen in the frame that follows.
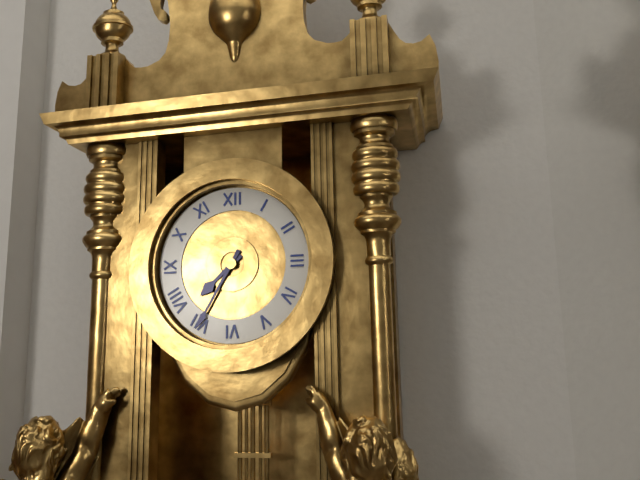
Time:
7h35
